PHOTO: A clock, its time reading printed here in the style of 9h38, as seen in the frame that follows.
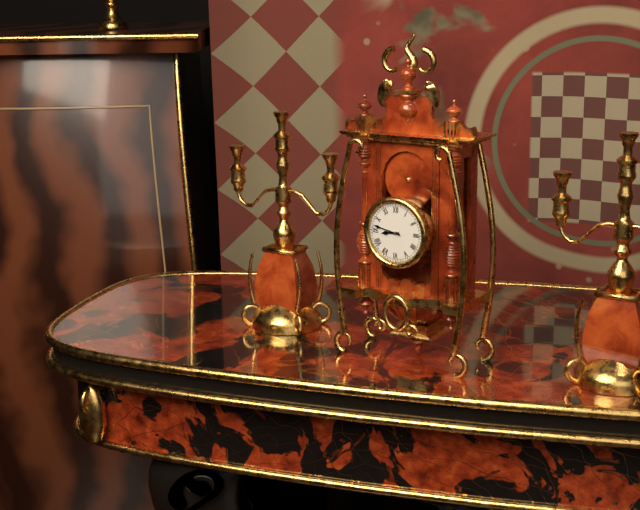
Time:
8h47
